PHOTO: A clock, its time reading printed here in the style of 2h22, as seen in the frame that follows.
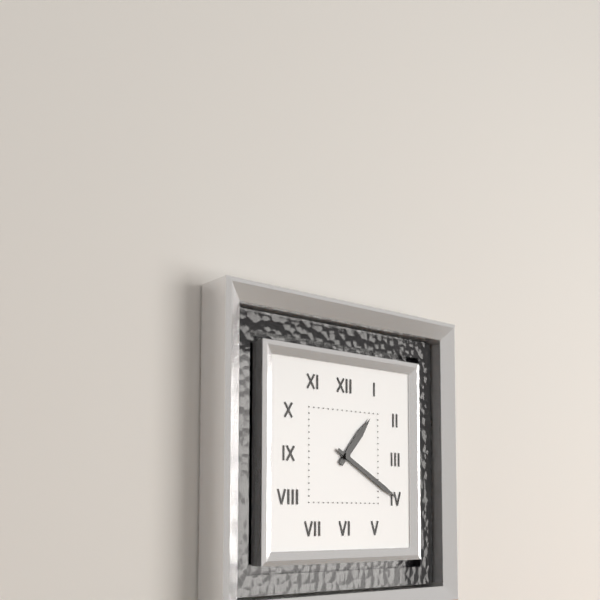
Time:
1h20
